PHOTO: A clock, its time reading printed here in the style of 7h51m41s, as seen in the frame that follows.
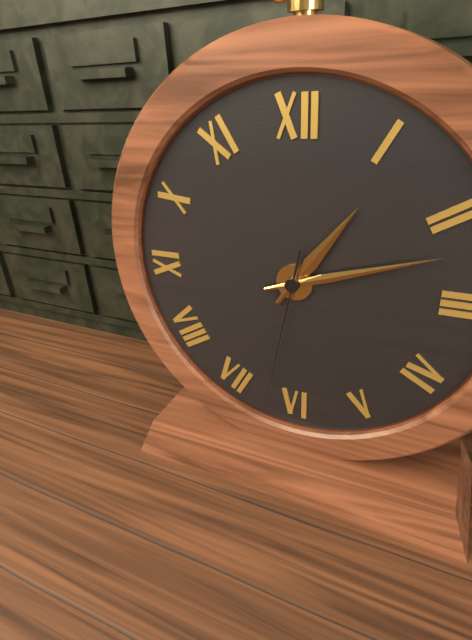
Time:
1h12m32s
